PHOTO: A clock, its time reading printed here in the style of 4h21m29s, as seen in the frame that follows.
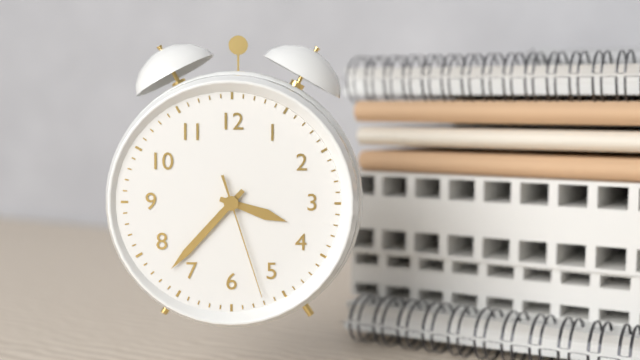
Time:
3h37m27s
